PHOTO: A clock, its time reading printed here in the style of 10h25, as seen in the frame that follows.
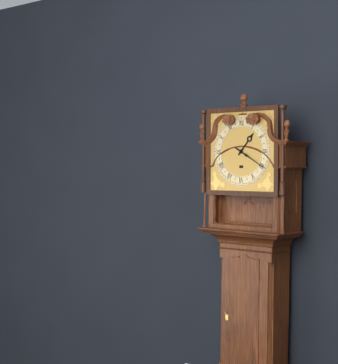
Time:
1h20
